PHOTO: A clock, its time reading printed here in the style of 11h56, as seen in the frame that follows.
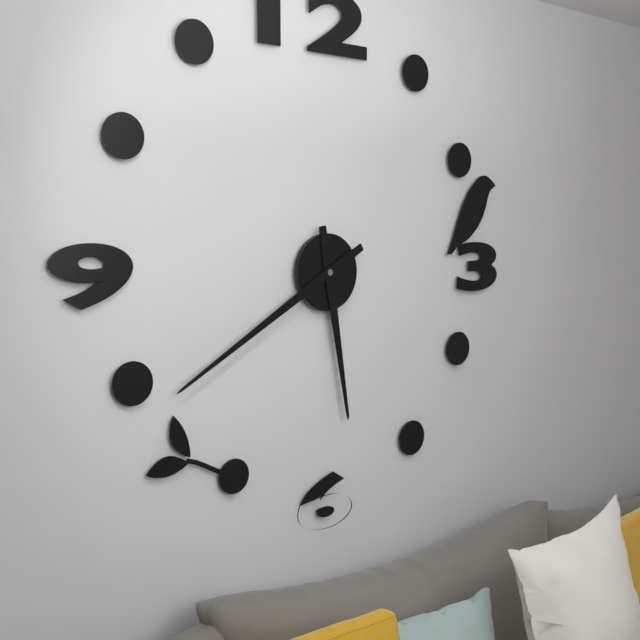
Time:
5h40
